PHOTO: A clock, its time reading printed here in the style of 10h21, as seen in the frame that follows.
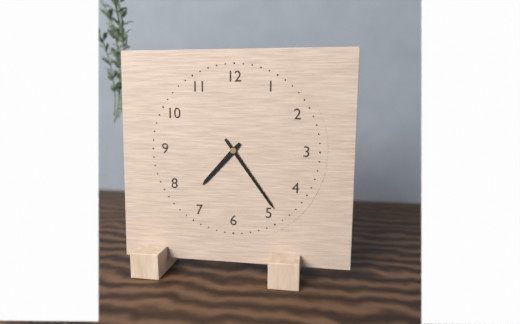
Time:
7h24
